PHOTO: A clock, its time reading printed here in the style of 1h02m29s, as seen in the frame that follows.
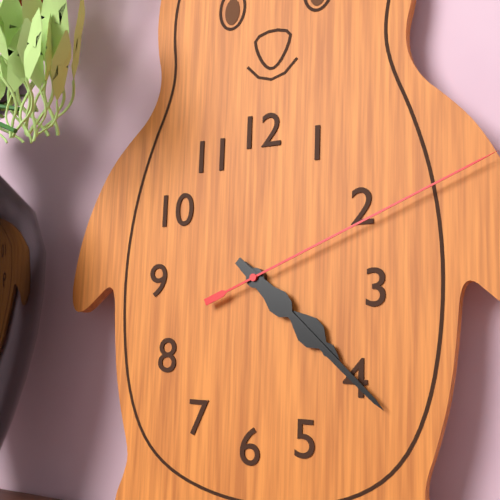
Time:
4h22m11s
